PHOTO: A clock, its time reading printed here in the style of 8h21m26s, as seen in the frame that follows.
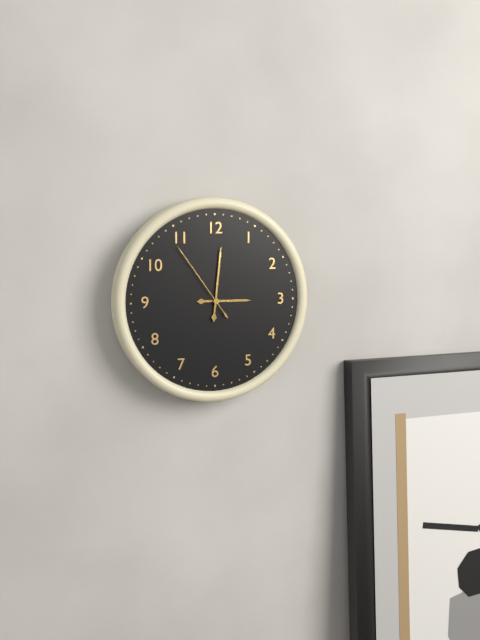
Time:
3h01m54s
